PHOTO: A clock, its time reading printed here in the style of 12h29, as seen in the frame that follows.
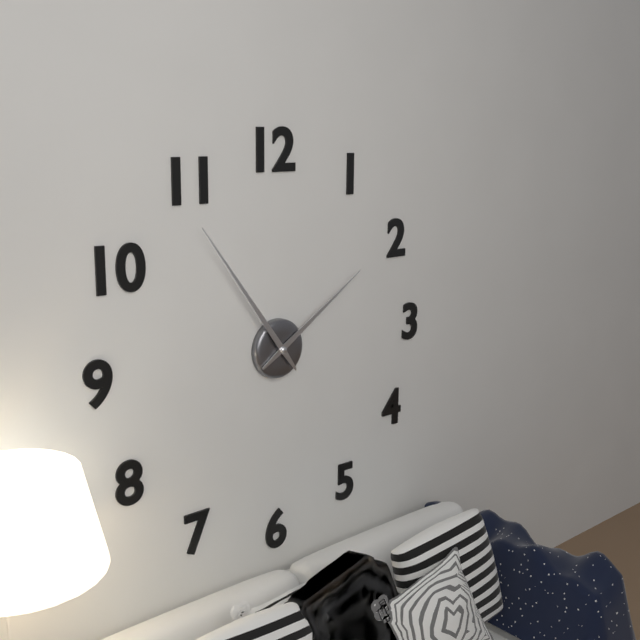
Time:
1h54
